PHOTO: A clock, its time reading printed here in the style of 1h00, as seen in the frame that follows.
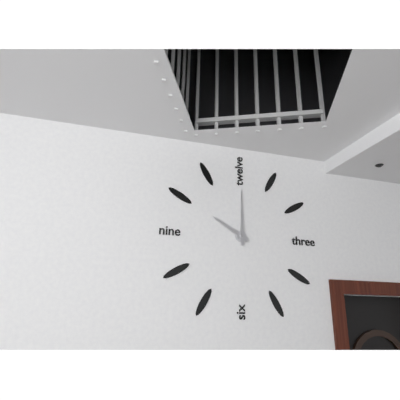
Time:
10h00
